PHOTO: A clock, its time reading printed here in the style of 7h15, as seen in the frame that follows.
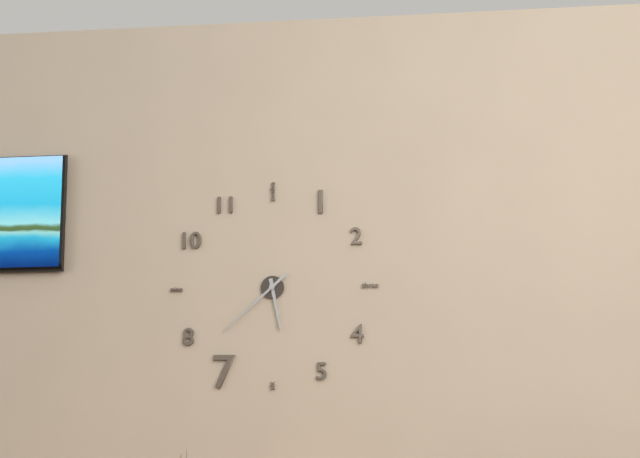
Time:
5h38
